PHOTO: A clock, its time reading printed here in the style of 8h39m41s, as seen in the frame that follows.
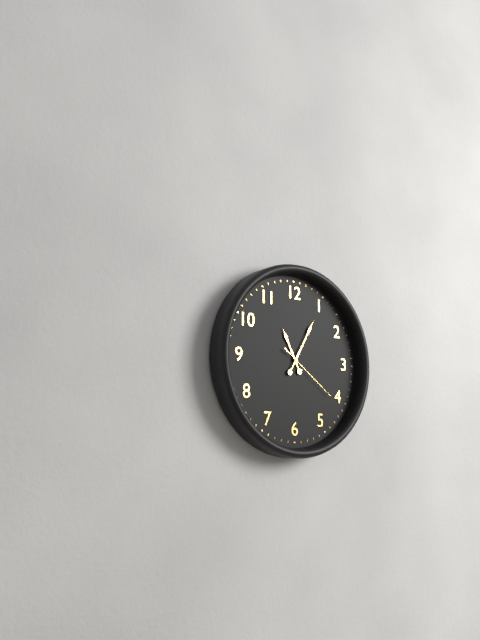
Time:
11h05m21s
